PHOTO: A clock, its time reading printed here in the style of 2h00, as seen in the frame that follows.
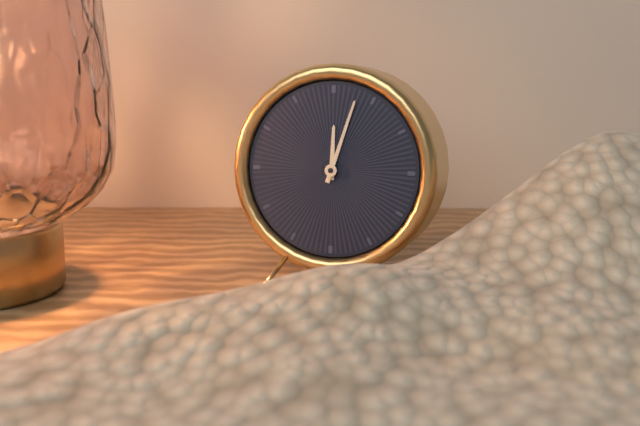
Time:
12h03
